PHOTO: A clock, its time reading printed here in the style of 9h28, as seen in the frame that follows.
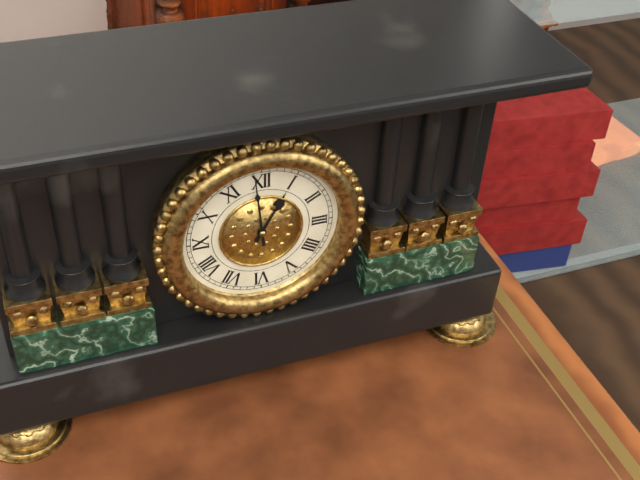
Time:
12h59
